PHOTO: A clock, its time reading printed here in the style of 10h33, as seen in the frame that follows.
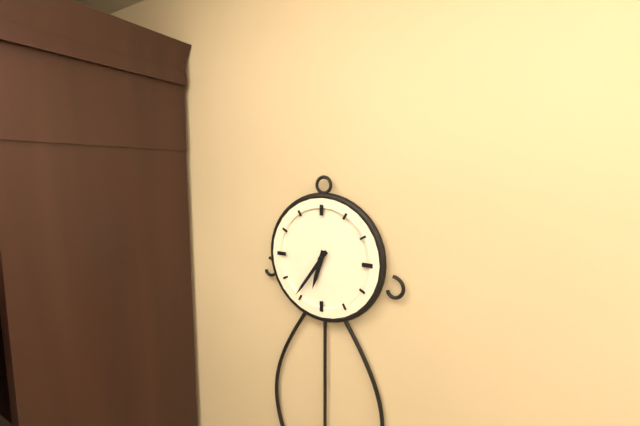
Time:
6h36
